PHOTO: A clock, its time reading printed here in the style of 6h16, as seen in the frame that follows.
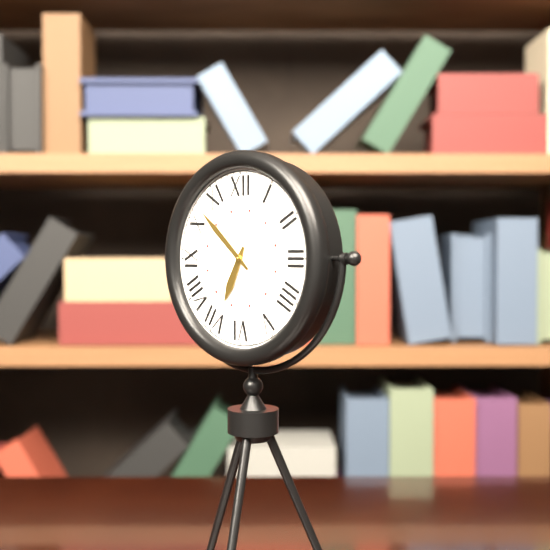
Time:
6h52
